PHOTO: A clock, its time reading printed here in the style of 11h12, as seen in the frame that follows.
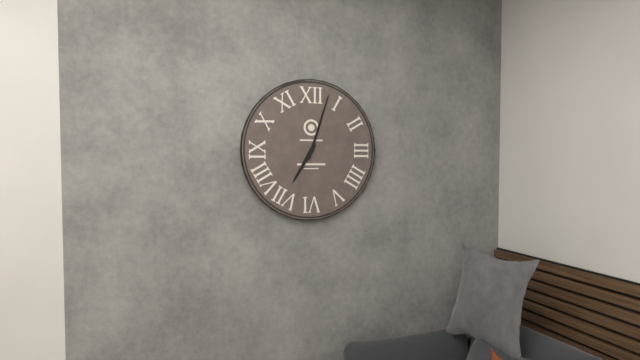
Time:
7h03
